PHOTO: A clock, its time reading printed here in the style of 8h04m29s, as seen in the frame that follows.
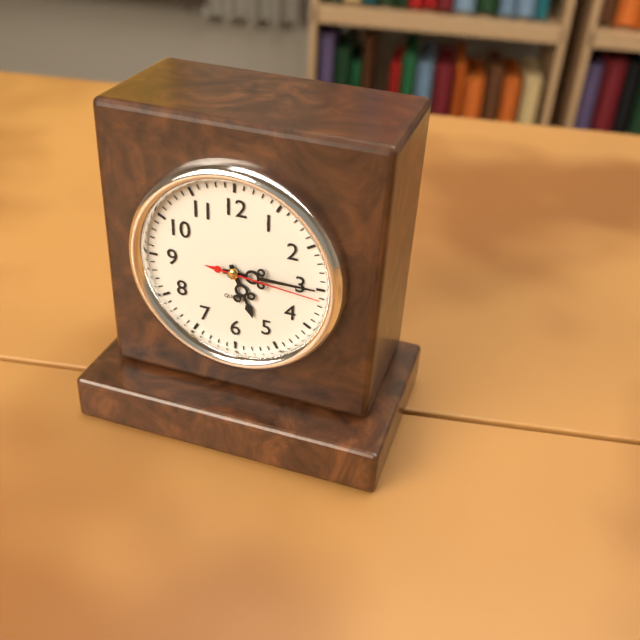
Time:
5h15m16s
